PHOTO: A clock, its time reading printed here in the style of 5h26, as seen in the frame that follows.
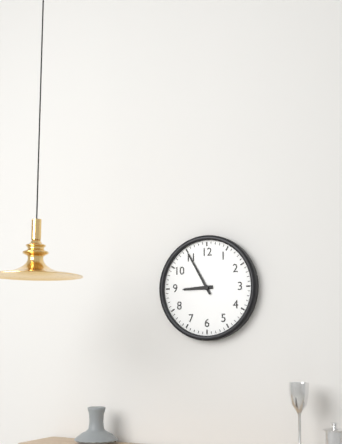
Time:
8h55
